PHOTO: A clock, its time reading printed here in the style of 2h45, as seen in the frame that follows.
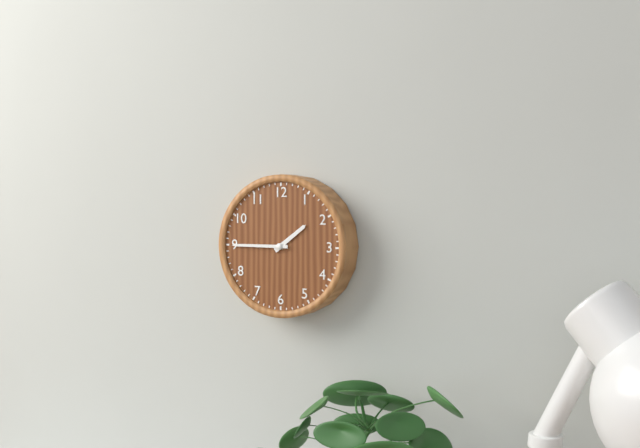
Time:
1h45
